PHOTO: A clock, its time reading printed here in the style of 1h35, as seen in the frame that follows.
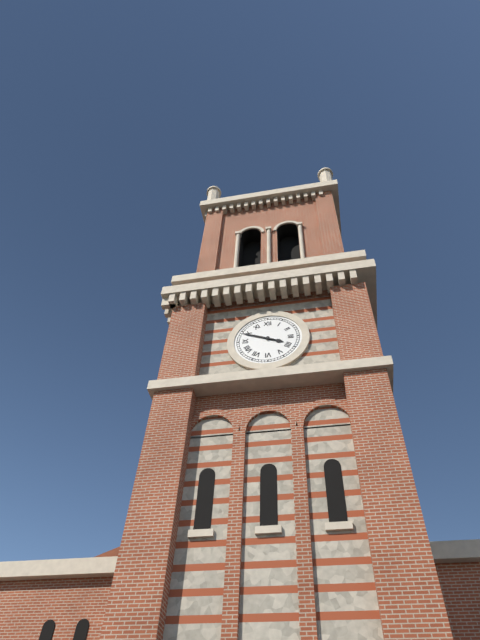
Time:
3h49
